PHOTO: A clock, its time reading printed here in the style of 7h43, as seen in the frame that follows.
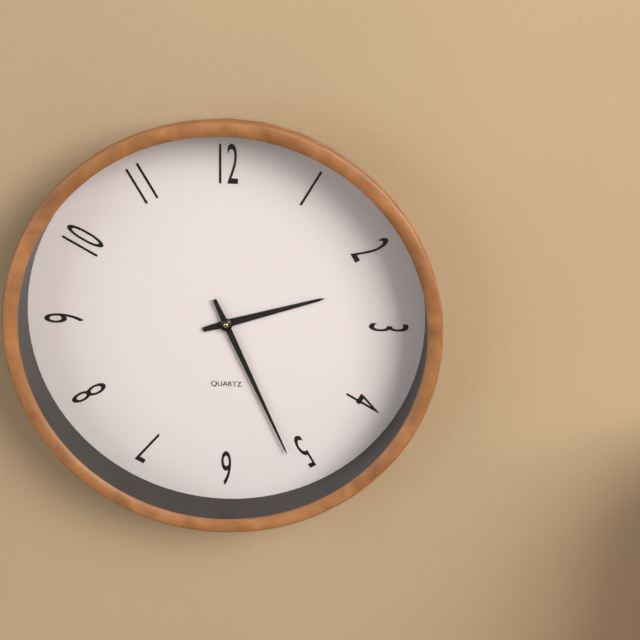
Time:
2h26
